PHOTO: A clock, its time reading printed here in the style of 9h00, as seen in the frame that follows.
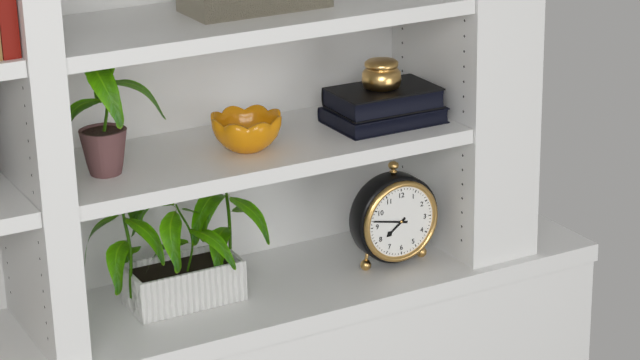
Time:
7h47
